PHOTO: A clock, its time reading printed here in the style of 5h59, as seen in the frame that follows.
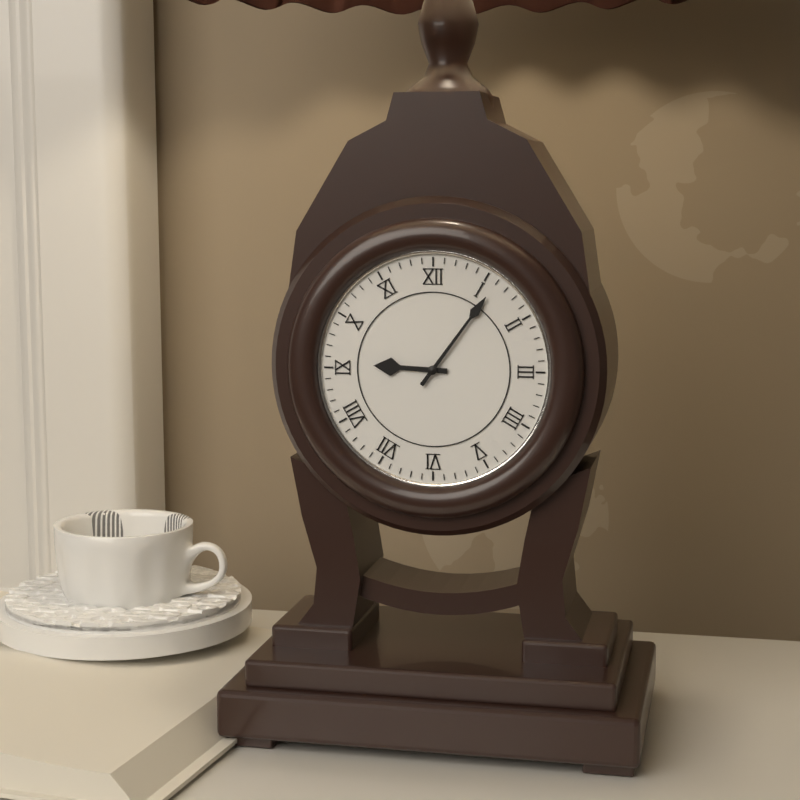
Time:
9h06
